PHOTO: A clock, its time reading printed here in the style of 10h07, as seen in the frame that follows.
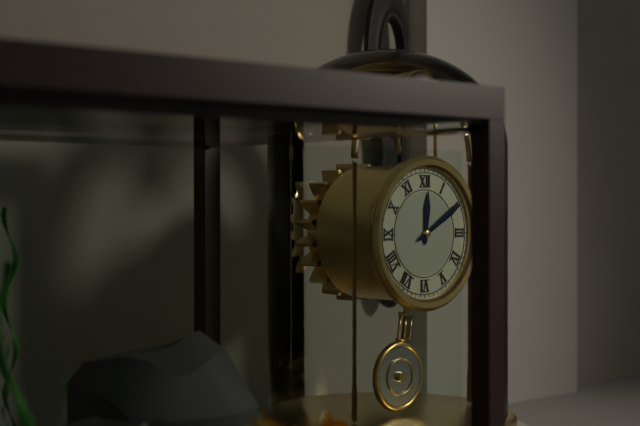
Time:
12h10
